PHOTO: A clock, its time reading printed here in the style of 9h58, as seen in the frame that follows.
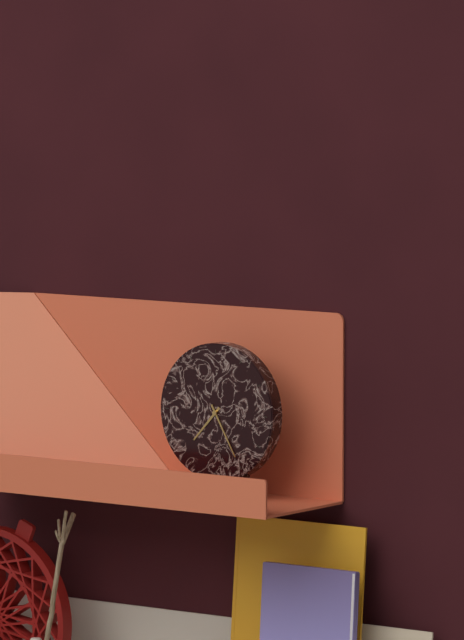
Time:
7h25
